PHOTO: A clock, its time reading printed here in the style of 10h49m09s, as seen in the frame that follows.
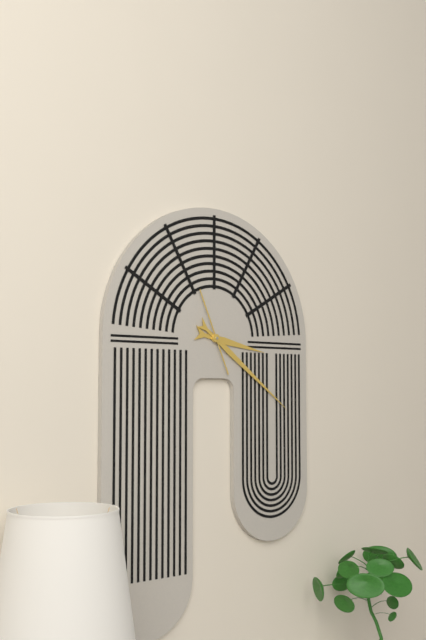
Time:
3h21m56s
